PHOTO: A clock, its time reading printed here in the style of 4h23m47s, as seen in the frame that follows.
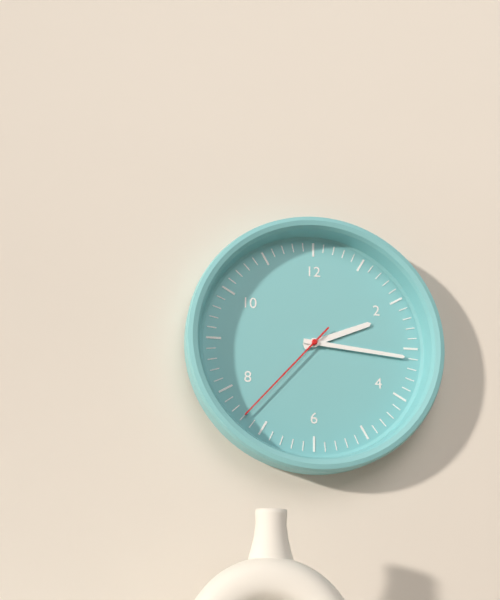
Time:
2h16m37s
